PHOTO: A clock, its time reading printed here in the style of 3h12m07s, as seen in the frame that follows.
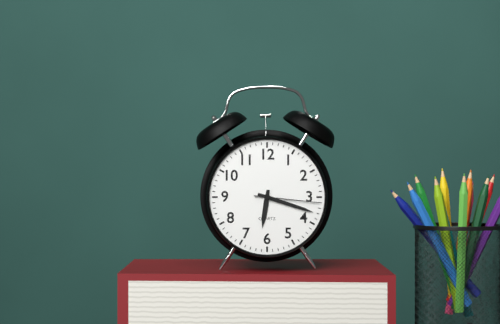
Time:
6h18m16s
